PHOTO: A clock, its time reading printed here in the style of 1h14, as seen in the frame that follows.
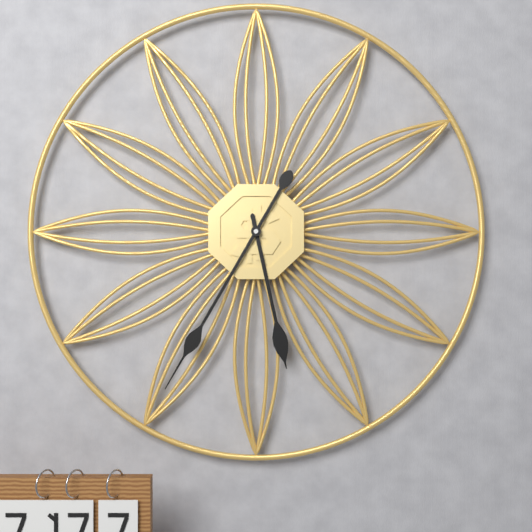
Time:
5h35
